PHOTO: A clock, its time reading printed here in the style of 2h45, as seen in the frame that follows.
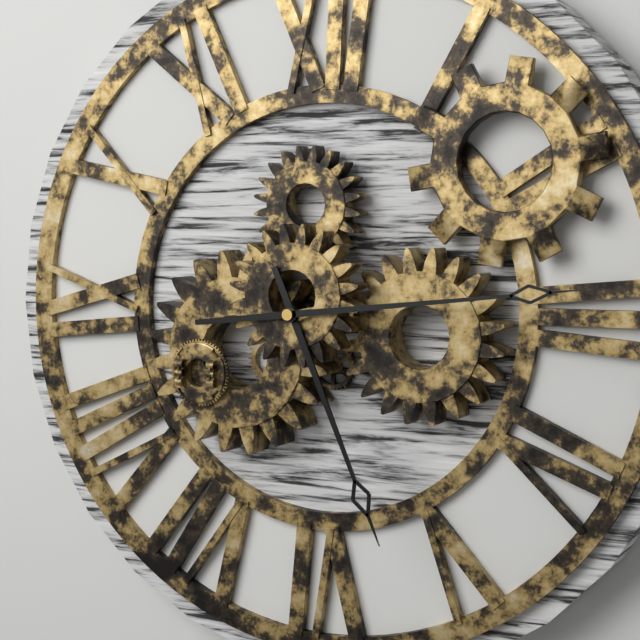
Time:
5h14
